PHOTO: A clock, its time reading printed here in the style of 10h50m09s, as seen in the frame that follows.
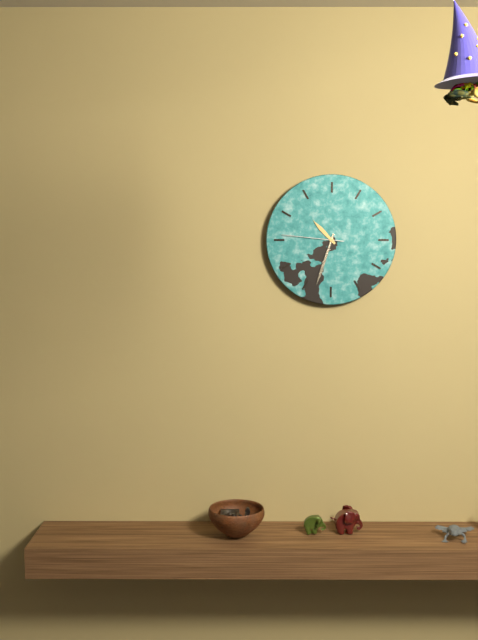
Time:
10h33m46s
